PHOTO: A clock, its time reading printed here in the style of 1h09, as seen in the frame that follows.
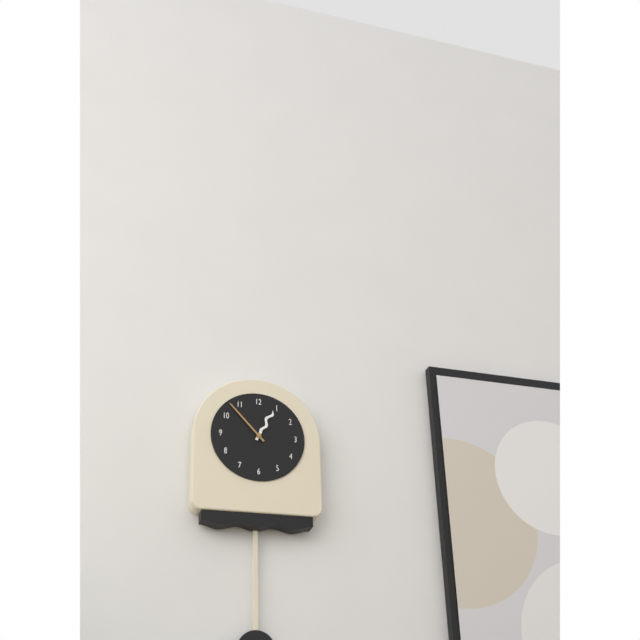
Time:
12h53
